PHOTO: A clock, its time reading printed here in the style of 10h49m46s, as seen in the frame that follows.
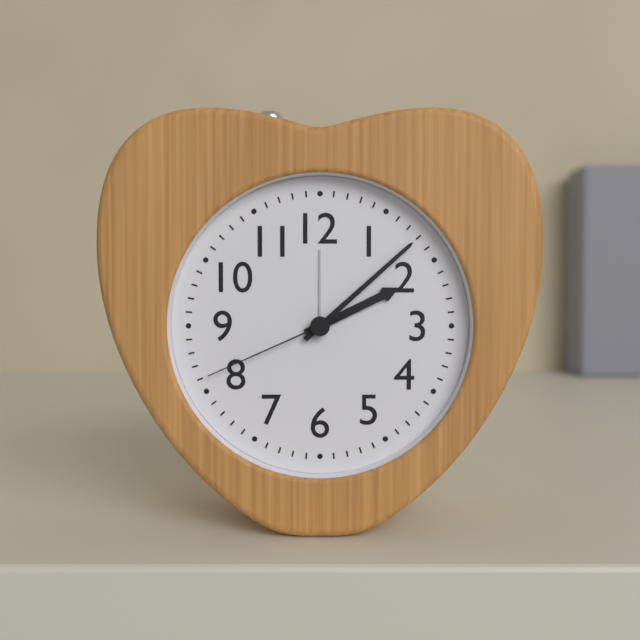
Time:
2h08m41s
